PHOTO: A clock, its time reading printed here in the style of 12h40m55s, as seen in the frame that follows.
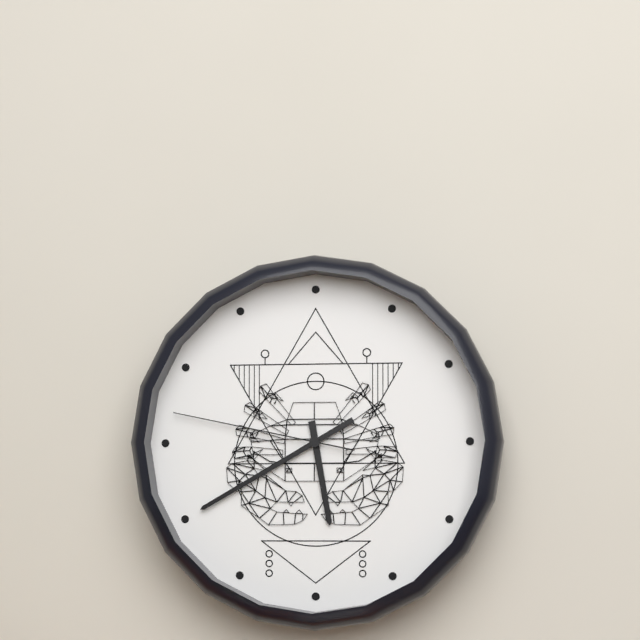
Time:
5h40m47s
